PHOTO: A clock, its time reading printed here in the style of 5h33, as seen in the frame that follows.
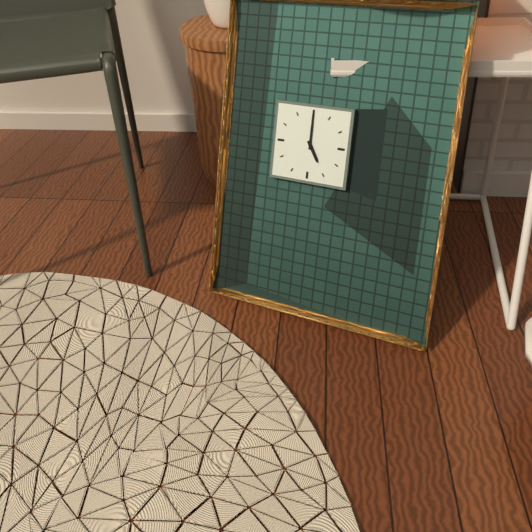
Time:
5h00
